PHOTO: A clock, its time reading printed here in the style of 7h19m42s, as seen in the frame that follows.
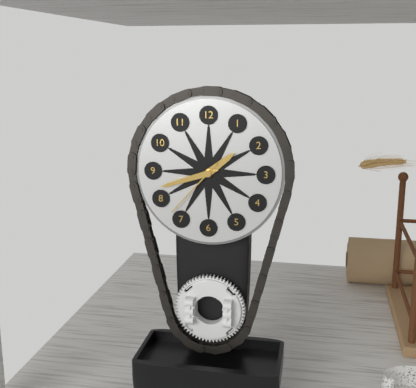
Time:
1h42m37s
